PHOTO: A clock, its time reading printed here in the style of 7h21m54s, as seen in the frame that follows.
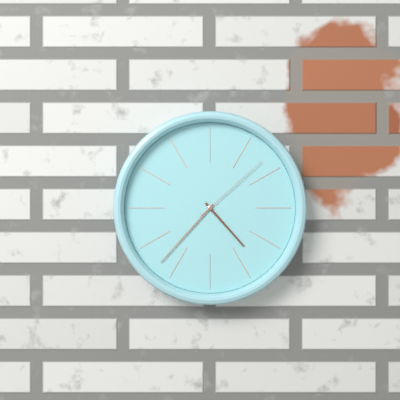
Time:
4h37m08s
